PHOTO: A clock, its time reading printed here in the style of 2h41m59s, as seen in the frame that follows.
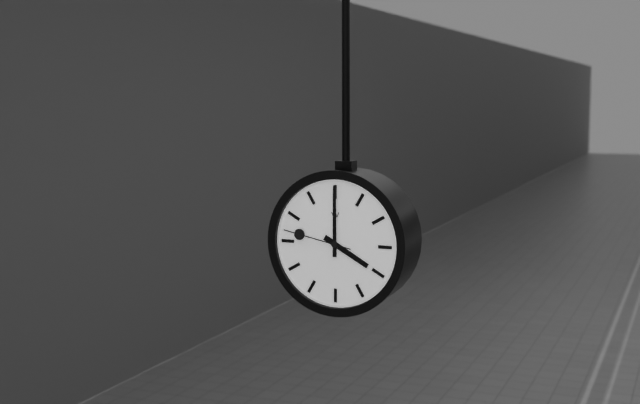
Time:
4h00m47s
